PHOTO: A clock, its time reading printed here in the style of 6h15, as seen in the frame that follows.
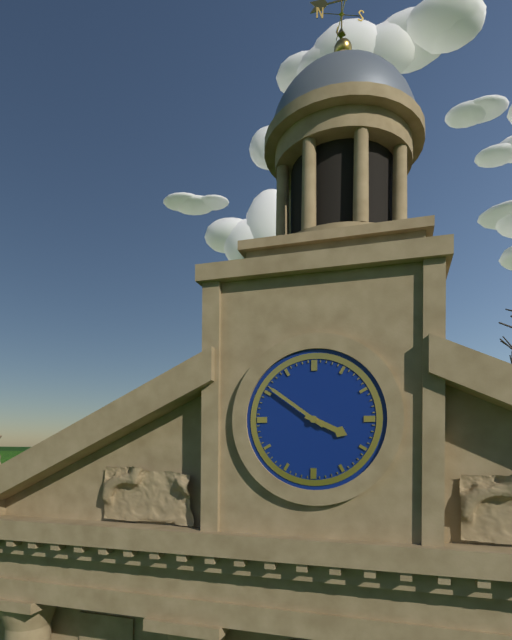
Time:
3h51
